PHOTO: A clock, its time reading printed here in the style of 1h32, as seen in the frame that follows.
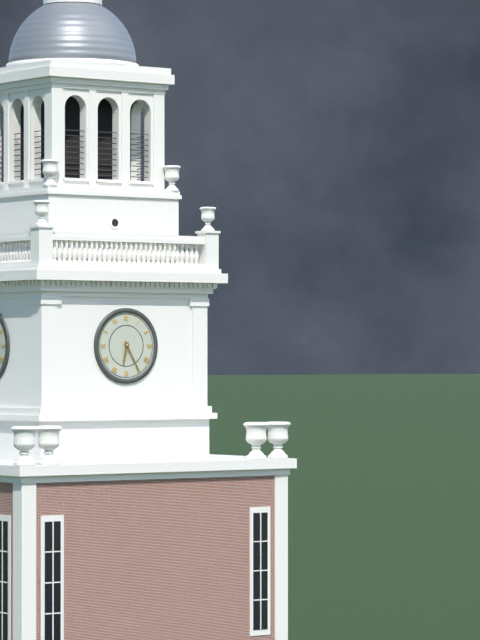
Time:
6h25
